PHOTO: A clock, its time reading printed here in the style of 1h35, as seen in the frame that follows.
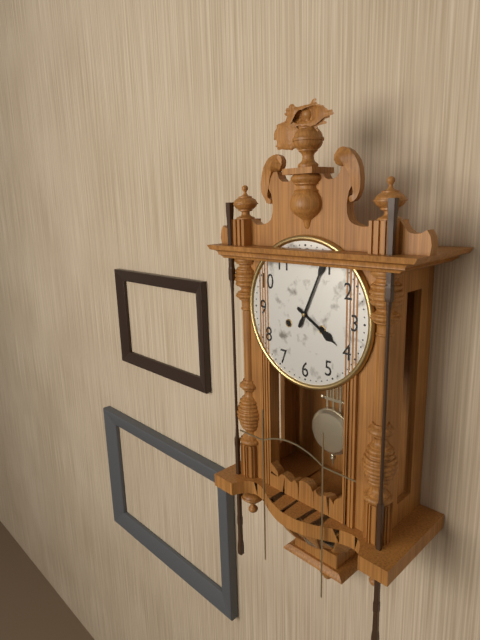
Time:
4h04
